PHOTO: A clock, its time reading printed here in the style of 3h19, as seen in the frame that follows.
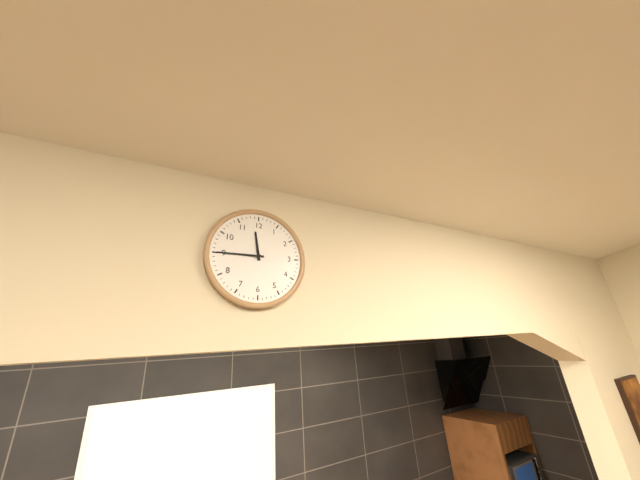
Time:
11h45
